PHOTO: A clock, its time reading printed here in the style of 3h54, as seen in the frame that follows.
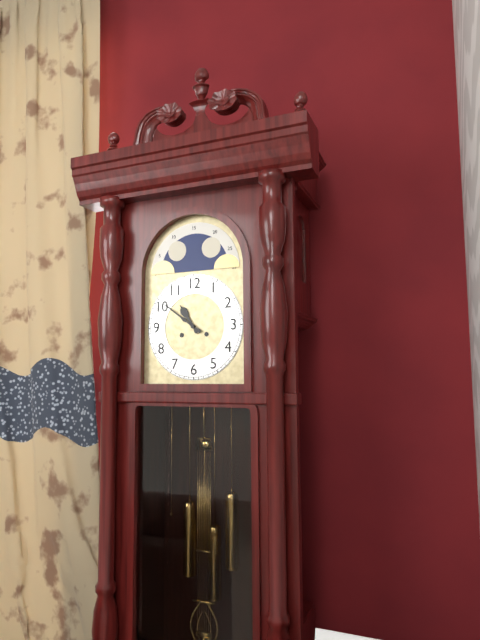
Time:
10h51
